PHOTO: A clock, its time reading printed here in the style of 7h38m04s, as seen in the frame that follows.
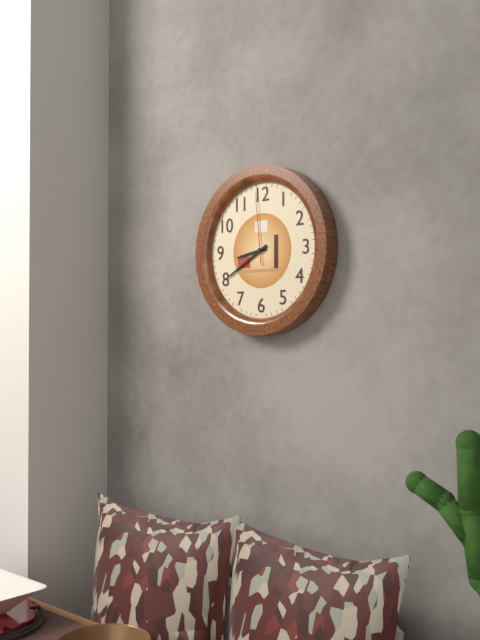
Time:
8h40m59s
